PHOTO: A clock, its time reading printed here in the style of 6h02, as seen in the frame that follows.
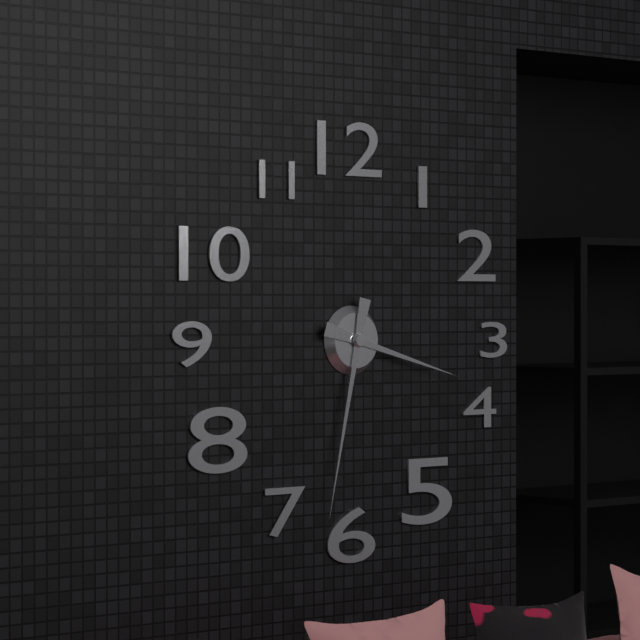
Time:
3h32
